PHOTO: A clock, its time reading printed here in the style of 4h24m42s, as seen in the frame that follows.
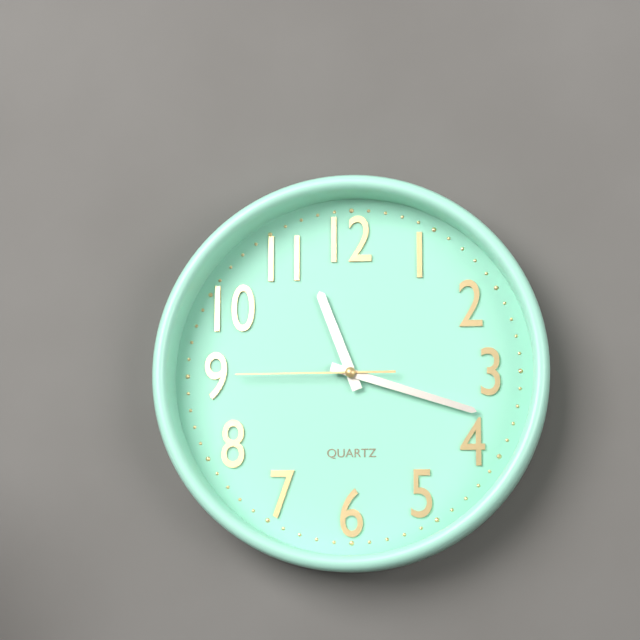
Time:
11h18m45s
